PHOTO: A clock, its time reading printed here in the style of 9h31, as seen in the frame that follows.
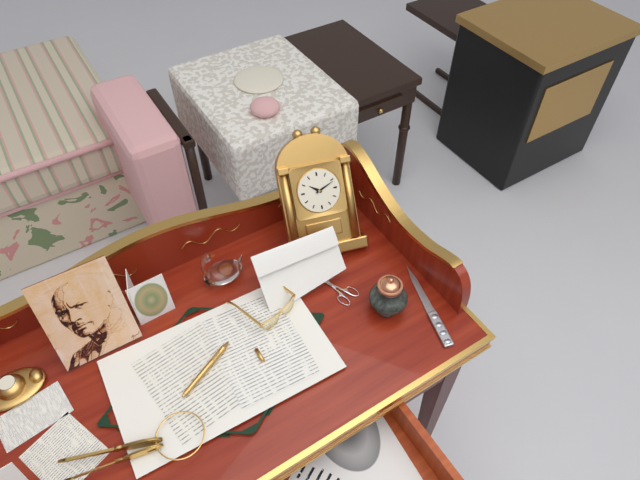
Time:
10h11
